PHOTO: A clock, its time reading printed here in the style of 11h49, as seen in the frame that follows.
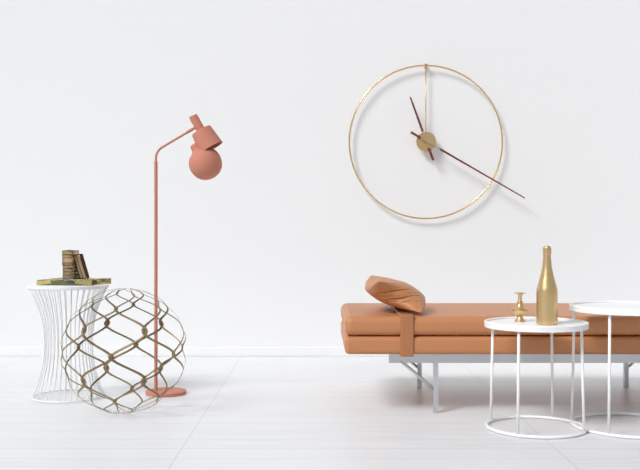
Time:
11h20
